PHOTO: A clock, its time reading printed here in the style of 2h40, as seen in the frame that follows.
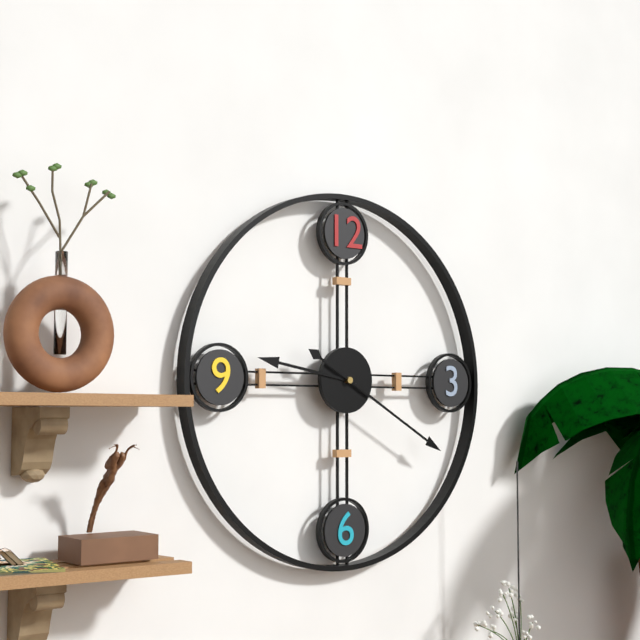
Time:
9h20
